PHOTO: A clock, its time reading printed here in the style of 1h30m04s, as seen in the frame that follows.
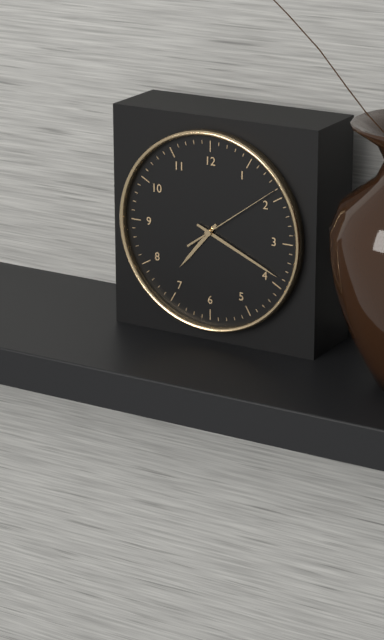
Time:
7h19m09s
